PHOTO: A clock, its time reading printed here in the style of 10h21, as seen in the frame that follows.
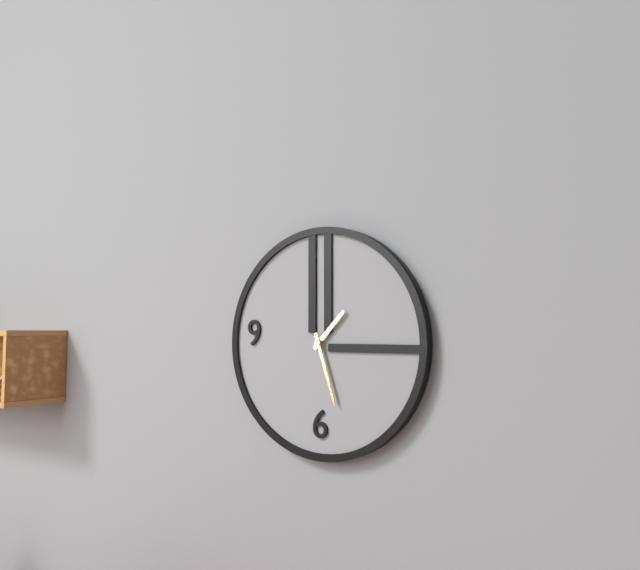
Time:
1h27
